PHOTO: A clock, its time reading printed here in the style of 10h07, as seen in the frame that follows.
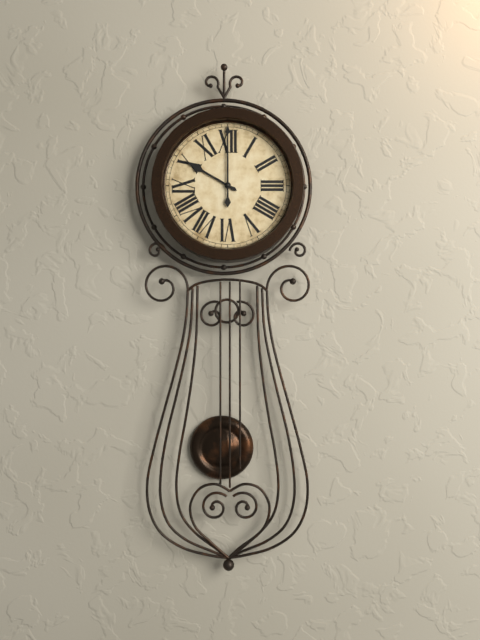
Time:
10h00
